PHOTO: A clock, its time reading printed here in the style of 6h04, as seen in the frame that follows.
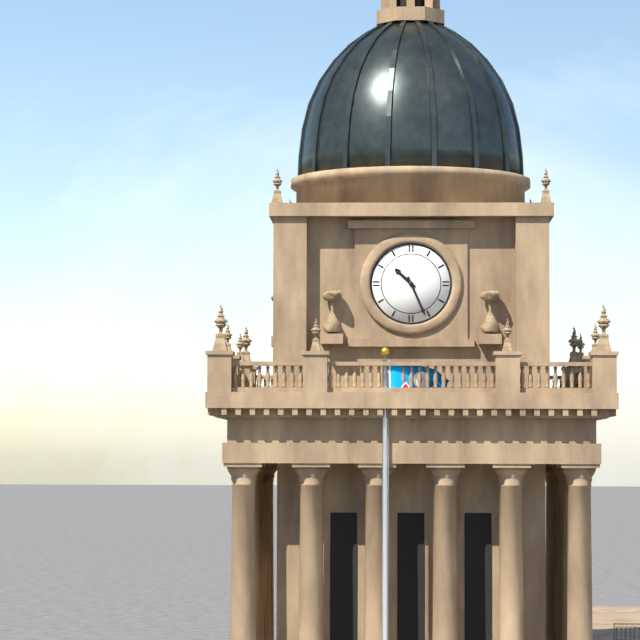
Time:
10h26
